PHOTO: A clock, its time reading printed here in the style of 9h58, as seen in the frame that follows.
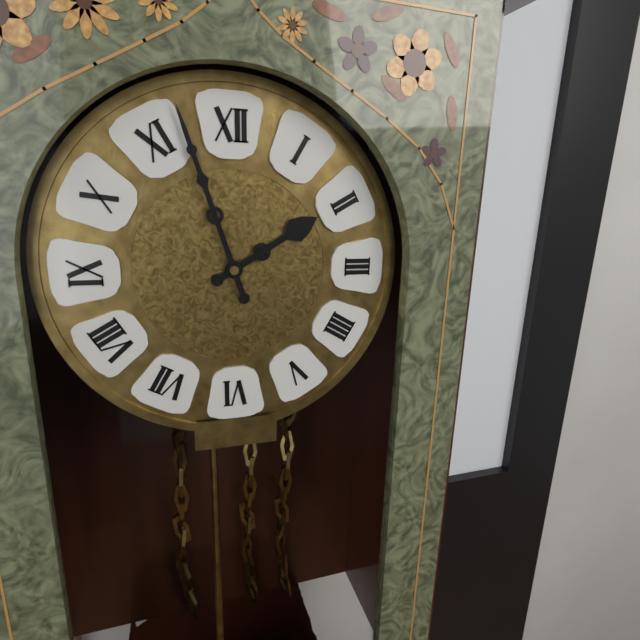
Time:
1h57
